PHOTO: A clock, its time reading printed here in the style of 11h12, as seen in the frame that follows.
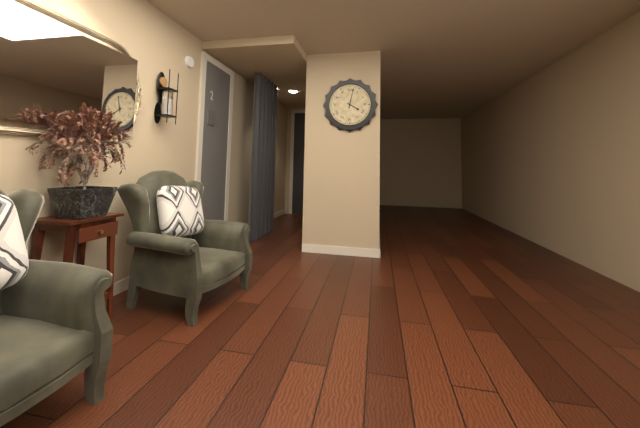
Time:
4h02
